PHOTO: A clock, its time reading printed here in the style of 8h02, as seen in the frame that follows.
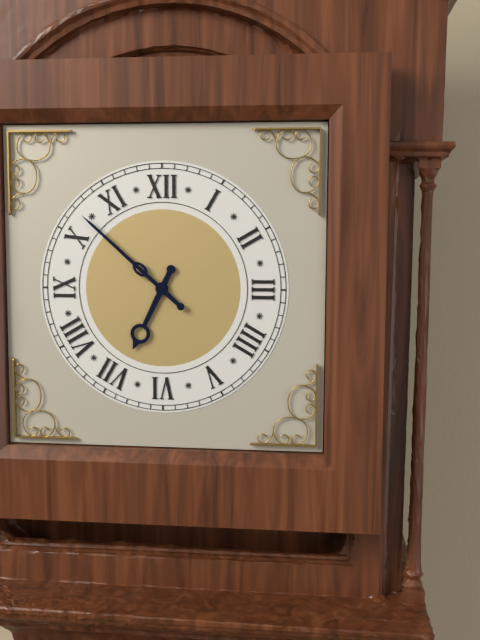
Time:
6h52
